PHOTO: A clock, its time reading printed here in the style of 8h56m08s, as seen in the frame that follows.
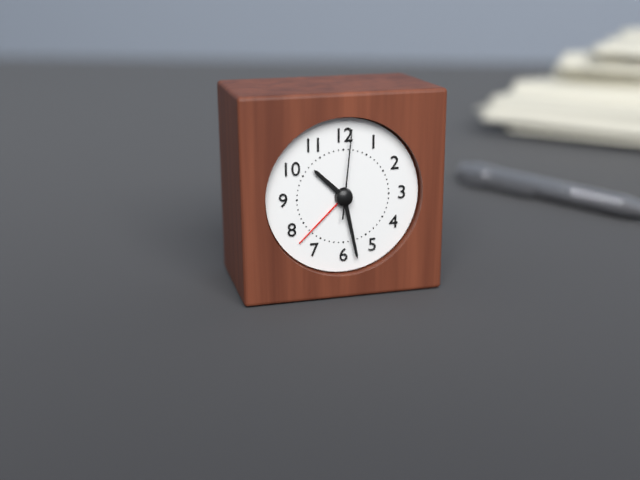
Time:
10h28m01s
